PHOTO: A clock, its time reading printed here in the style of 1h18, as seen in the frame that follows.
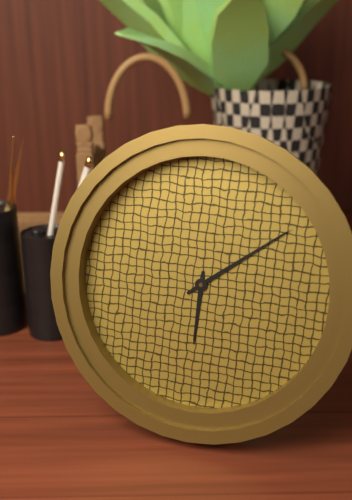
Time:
6h09
